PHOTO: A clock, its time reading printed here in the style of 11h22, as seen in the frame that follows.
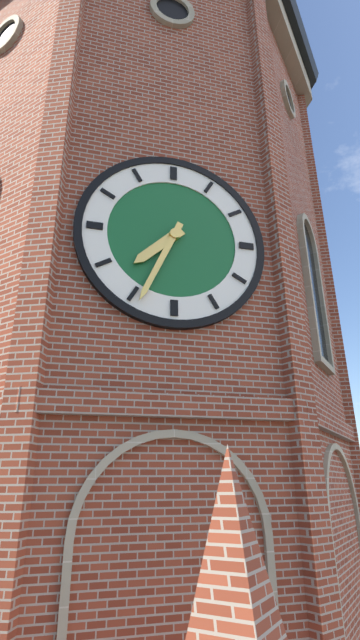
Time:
7h34
